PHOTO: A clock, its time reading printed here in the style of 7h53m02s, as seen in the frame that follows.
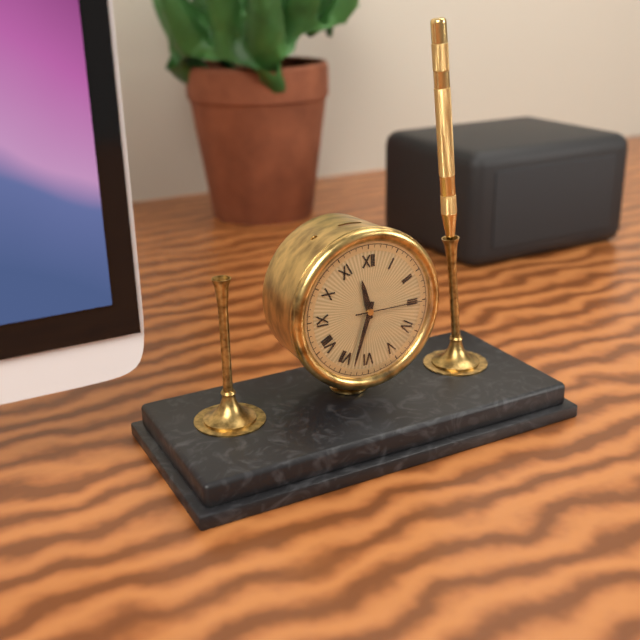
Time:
11h33m15s
